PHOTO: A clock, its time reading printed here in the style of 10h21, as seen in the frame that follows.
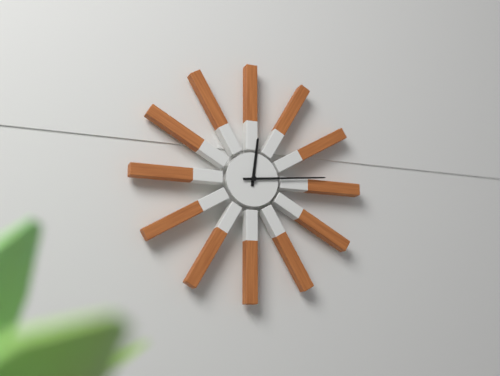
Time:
12h14
